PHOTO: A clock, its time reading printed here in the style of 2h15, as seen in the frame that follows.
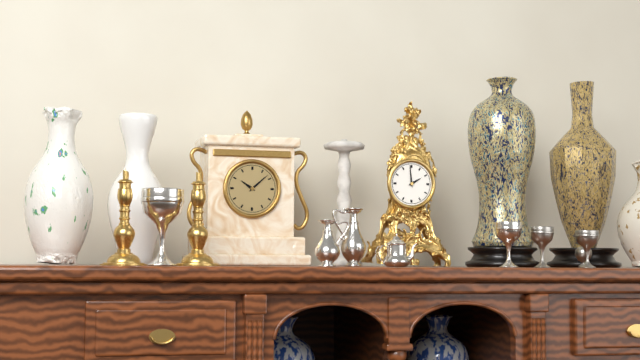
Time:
1h59
